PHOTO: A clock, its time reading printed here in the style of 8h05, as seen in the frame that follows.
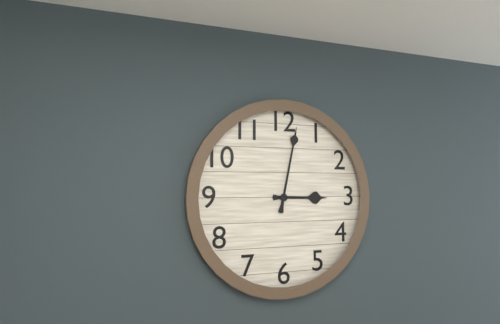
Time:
3h02
